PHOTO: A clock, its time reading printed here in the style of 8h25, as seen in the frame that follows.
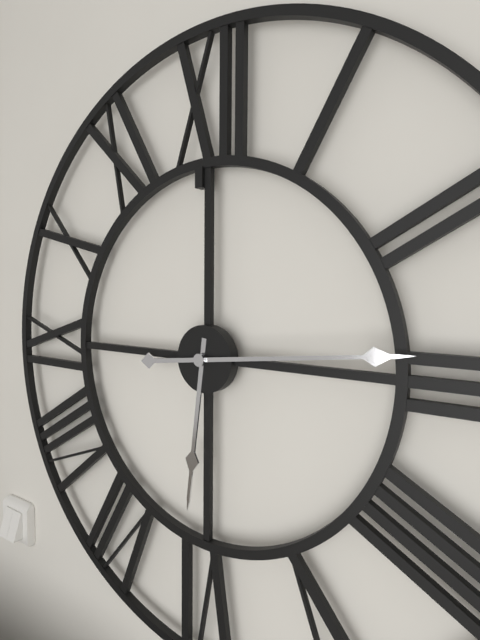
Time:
6h14
